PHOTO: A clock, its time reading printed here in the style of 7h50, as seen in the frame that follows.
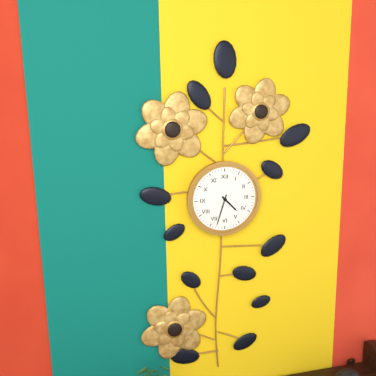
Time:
4h33
